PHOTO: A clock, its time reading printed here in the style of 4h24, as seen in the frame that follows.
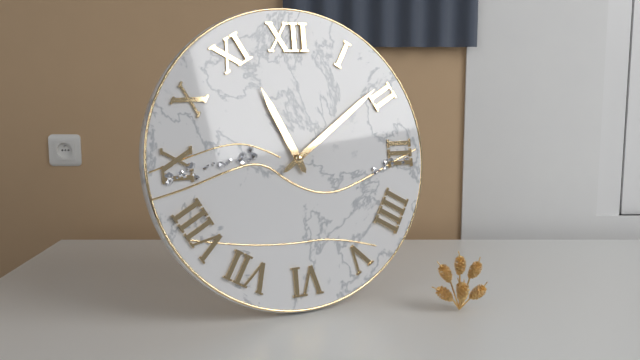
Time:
11h09
